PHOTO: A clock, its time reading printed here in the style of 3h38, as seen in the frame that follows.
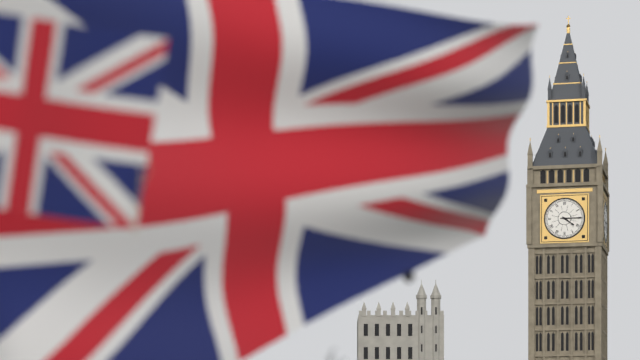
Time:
4h15
